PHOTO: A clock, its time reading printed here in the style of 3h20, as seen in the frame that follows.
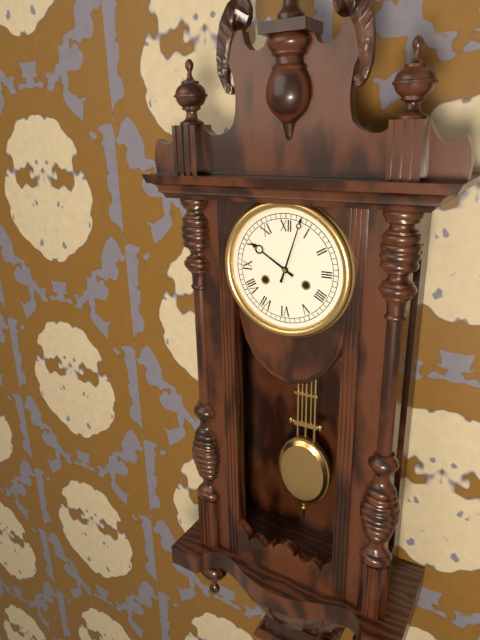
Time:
10h03
